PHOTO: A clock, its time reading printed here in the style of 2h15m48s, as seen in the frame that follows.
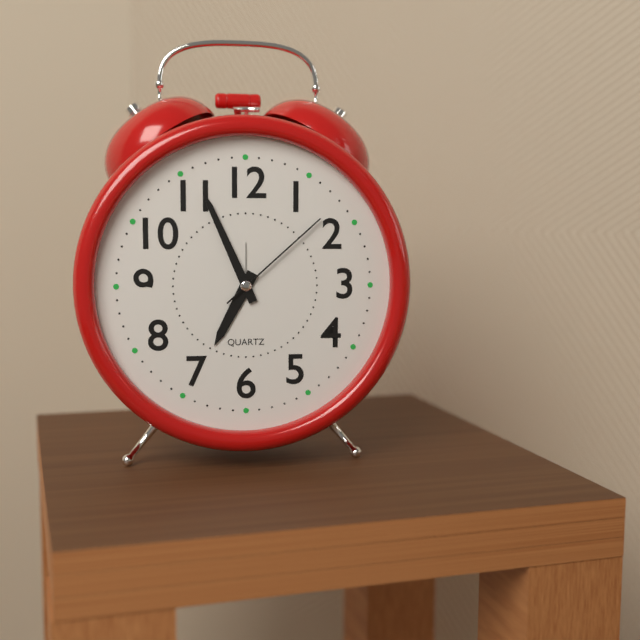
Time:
6h56m08s
